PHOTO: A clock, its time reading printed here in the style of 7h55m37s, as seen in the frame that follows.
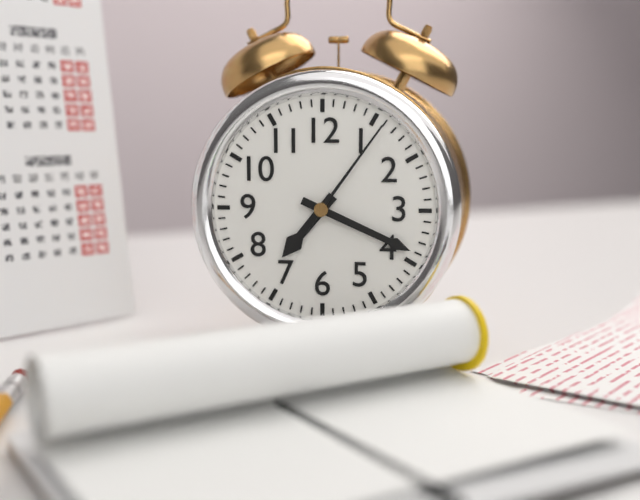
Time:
7h19m06s
